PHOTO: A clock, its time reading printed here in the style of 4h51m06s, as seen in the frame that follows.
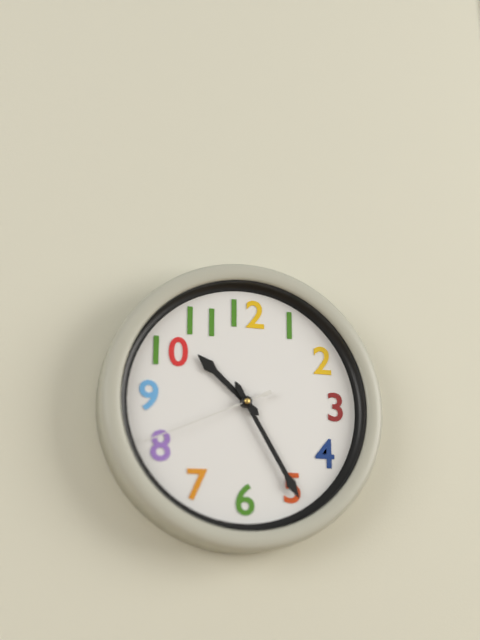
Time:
10h25m41s
